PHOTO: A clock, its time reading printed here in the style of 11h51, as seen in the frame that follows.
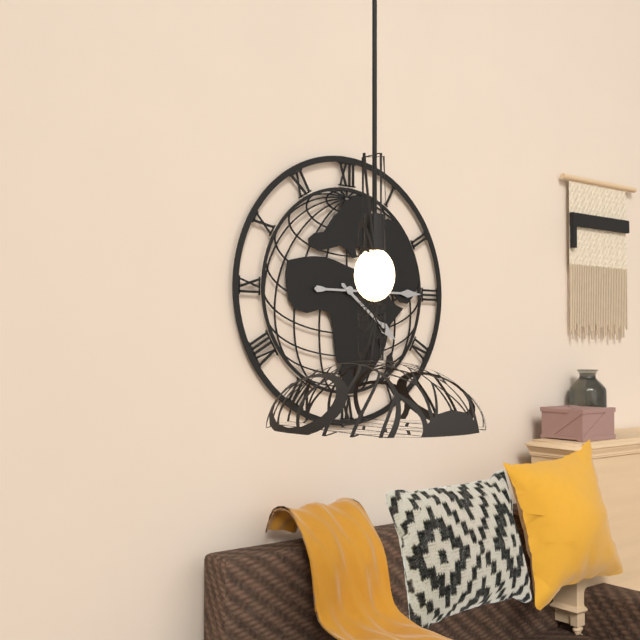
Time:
4h15
